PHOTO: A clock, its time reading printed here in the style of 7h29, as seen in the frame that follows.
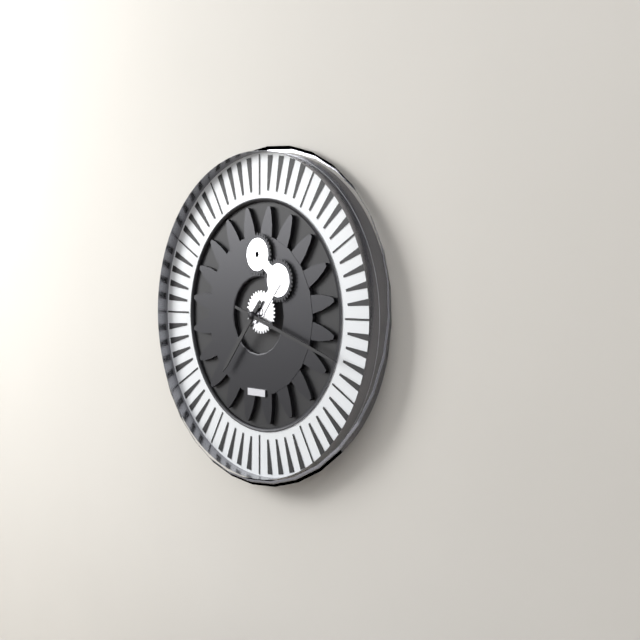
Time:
7h18
